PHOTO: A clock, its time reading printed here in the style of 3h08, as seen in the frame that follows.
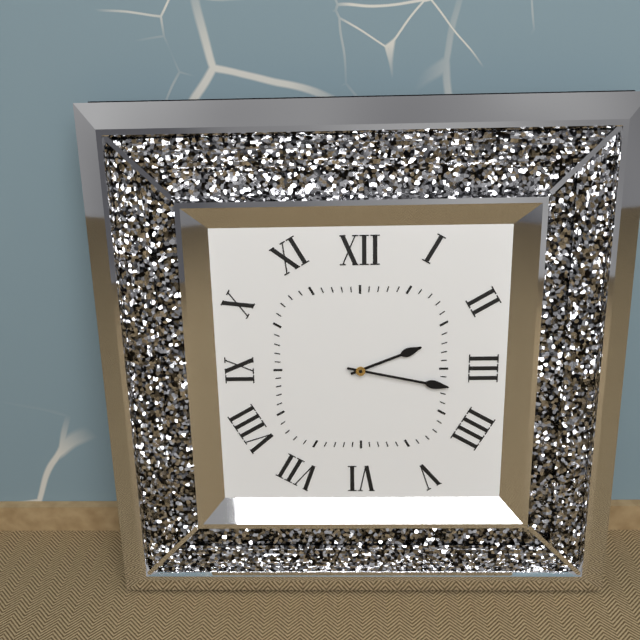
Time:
2h17
